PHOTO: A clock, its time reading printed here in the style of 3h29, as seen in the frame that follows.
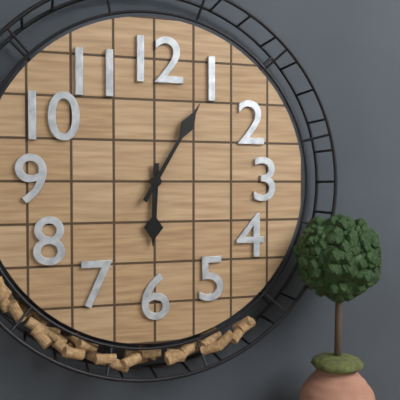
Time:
6h05
